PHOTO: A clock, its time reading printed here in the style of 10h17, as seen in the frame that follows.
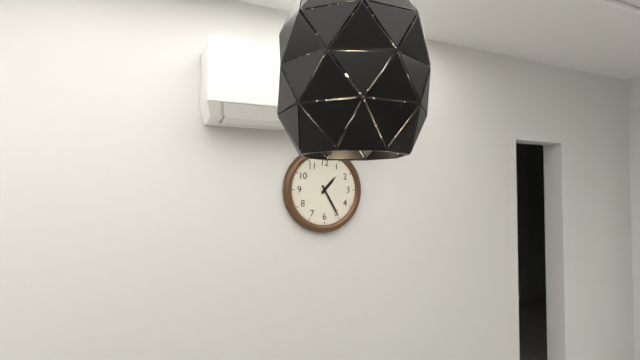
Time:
1h25
